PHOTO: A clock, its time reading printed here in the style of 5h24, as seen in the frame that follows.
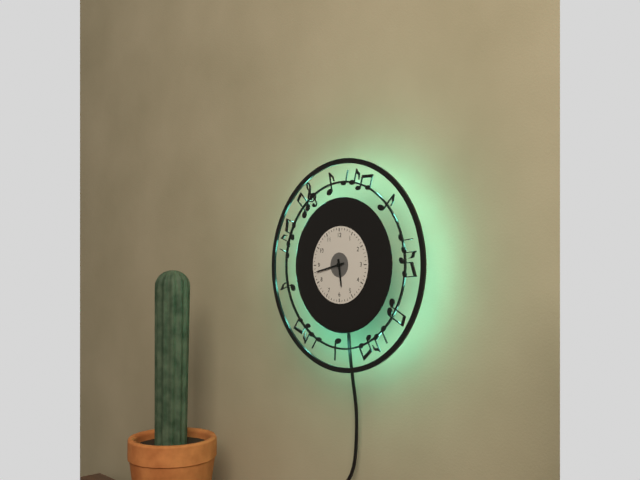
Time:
5h43
